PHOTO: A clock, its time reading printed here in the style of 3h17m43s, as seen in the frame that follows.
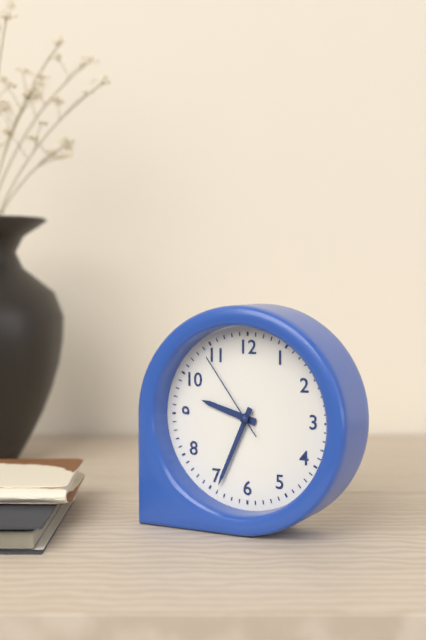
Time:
9h34m54s
